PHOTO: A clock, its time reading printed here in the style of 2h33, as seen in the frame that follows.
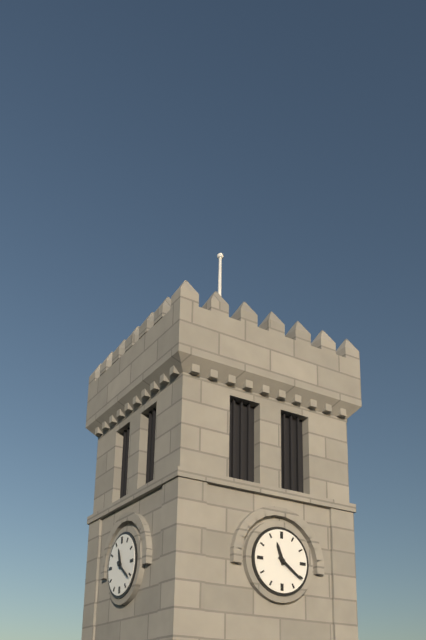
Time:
11h21
